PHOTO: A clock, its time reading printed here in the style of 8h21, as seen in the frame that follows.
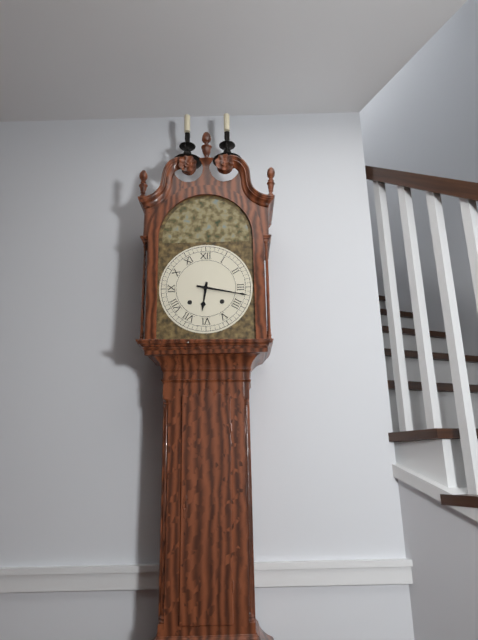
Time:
6h17
